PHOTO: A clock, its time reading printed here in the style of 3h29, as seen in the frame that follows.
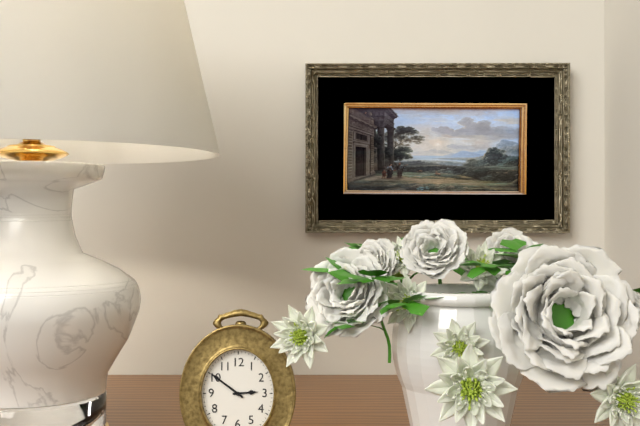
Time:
2h51
